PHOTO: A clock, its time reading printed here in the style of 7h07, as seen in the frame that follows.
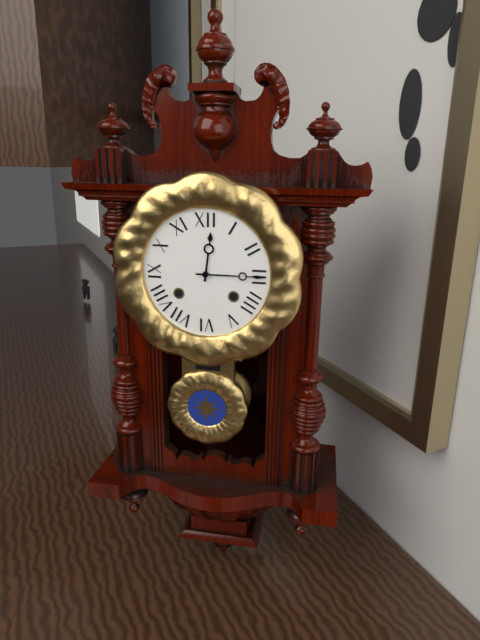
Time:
12h15
